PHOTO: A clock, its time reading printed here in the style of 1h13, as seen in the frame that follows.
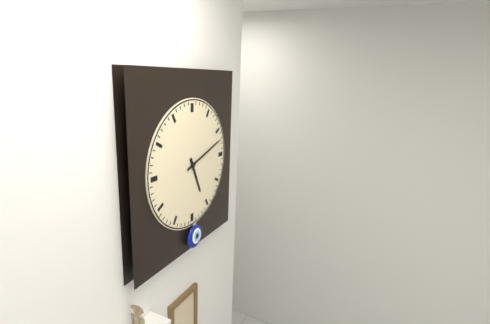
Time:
5h12
